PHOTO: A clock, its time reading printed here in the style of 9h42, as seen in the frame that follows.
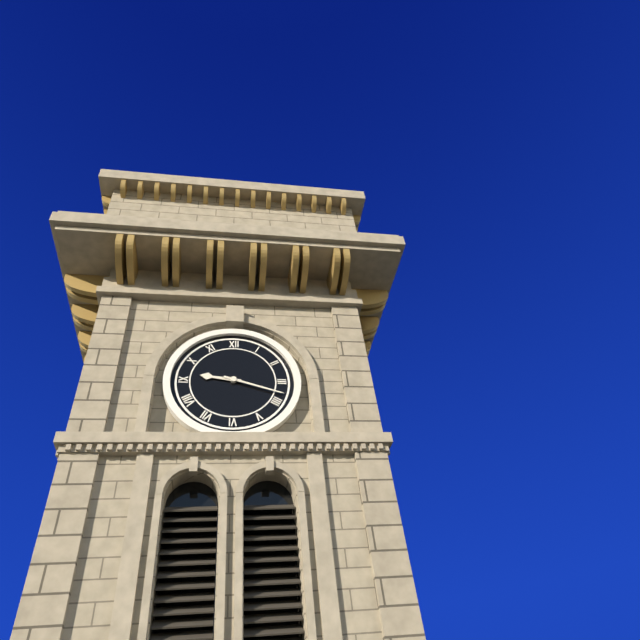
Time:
9h18
